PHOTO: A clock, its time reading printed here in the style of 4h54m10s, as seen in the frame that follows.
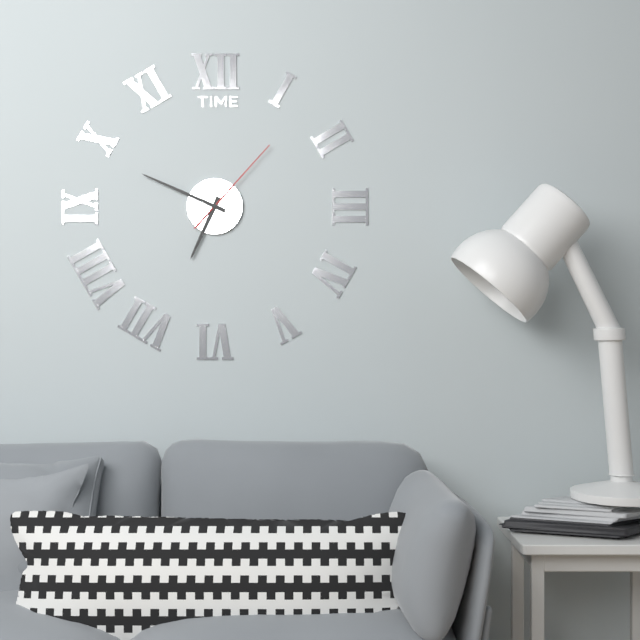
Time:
6h49m07s
